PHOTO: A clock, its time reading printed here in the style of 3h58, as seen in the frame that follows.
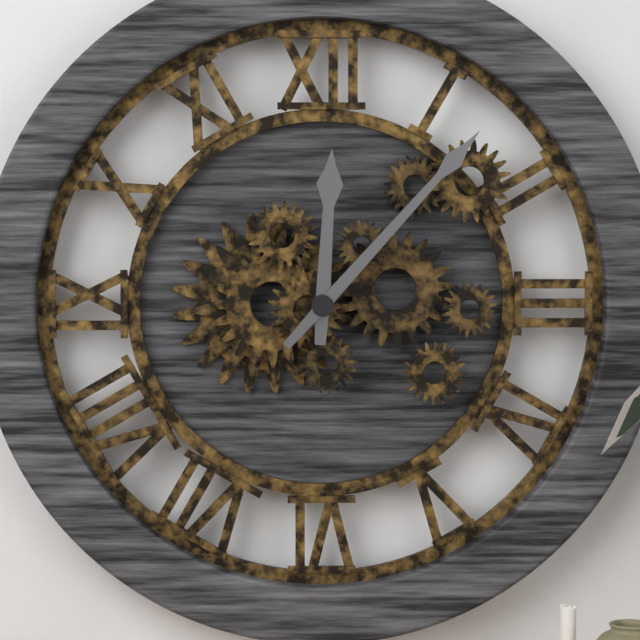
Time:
12h07
